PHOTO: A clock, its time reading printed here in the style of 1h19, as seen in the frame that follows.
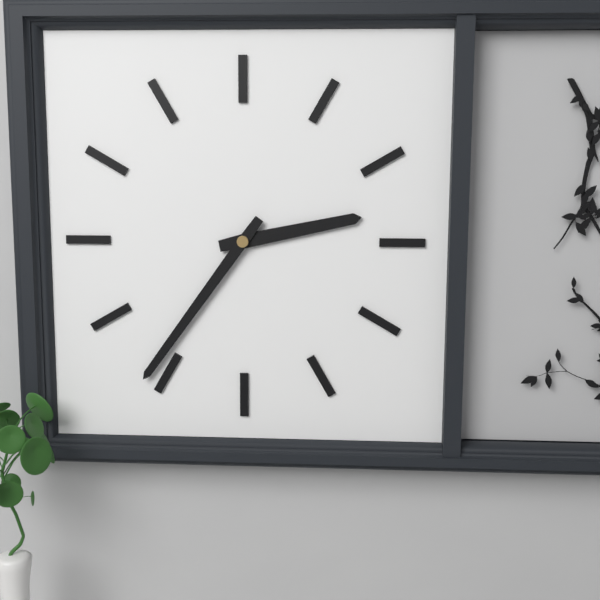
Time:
2h36
